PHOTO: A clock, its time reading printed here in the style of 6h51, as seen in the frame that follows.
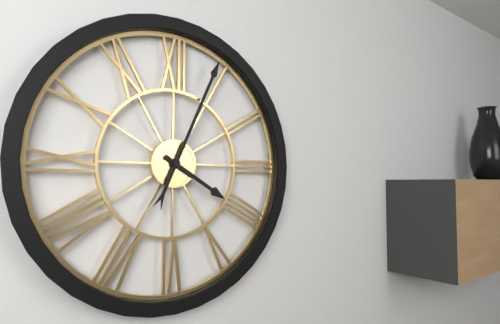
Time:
4h04
